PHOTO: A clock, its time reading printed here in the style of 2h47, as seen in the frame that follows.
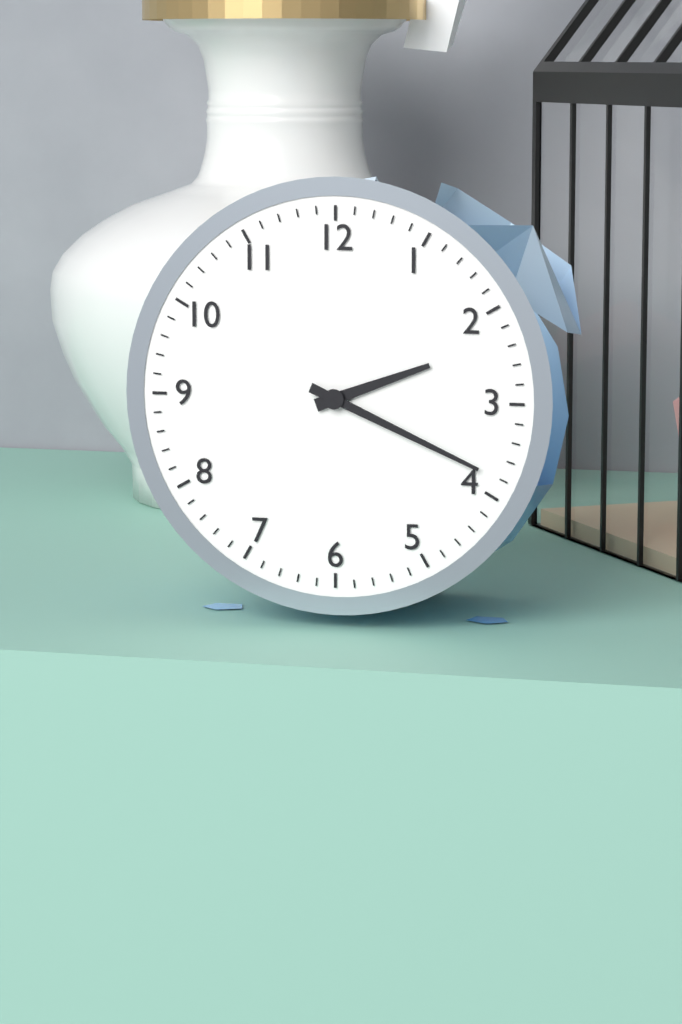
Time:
2h19
